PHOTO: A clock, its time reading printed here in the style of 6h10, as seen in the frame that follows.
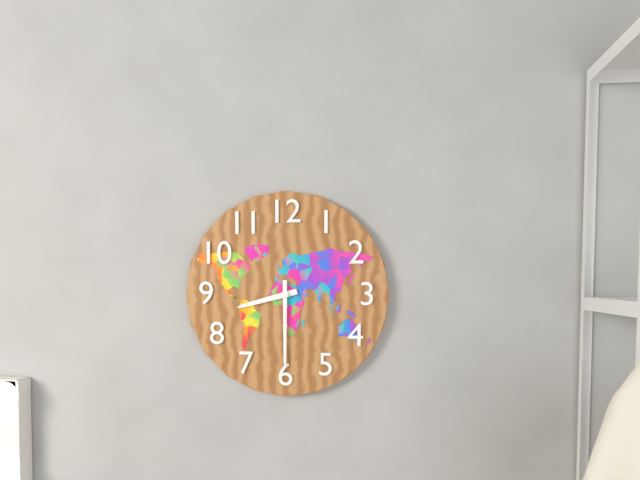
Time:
8h30
